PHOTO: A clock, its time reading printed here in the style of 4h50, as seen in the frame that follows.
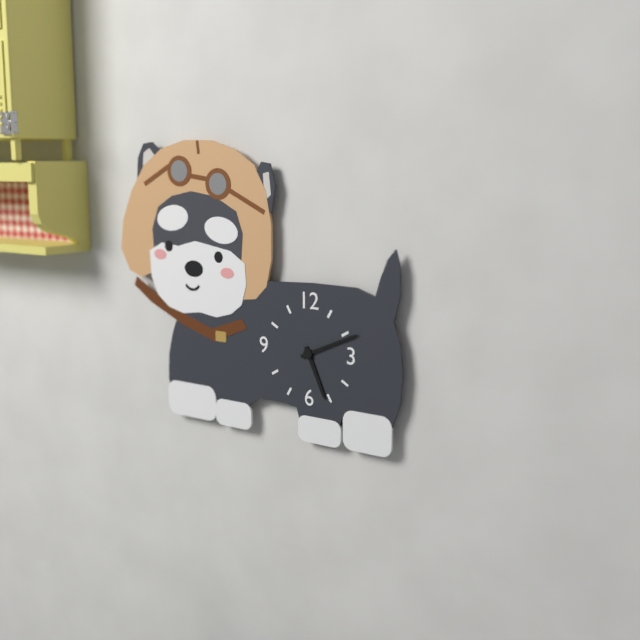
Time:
5h11
